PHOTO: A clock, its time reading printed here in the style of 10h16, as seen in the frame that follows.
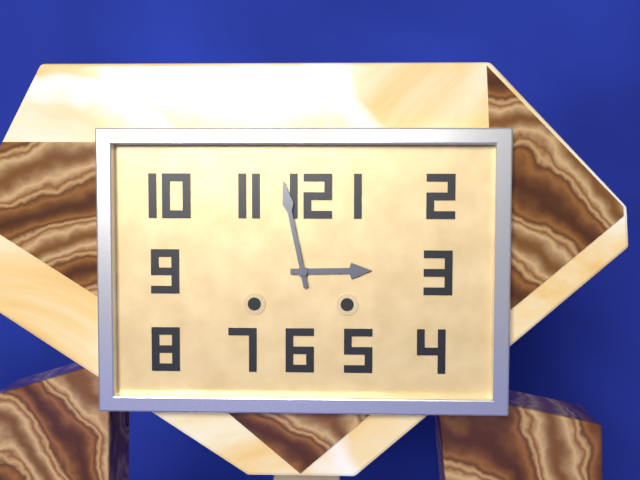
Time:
2h58
